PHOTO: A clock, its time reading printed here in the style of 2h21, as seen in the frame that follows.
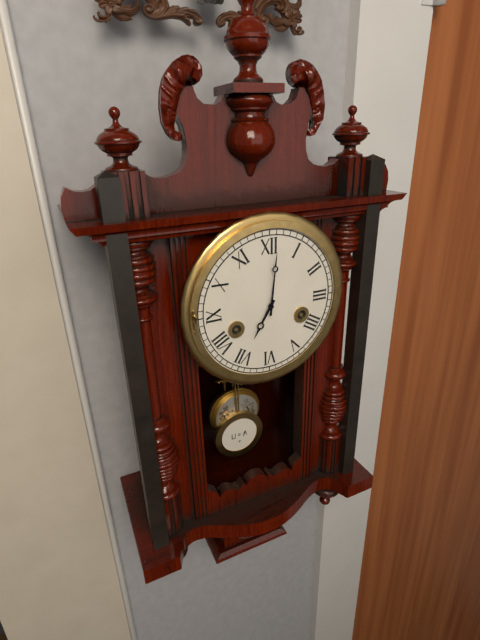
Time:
7h01
